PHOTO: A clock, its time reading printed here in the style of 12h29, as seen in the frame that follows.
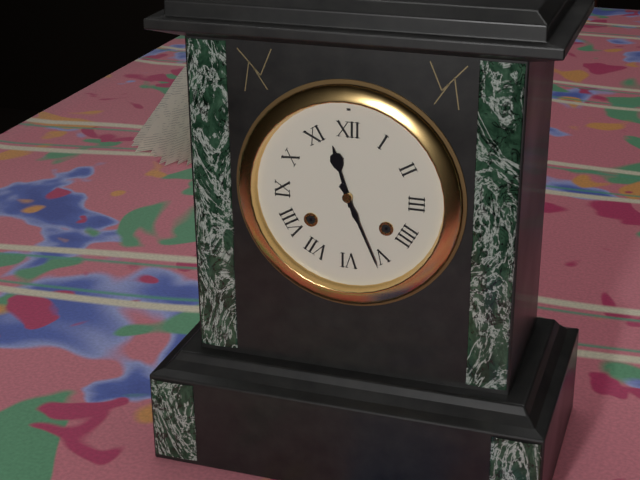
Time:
11h26
